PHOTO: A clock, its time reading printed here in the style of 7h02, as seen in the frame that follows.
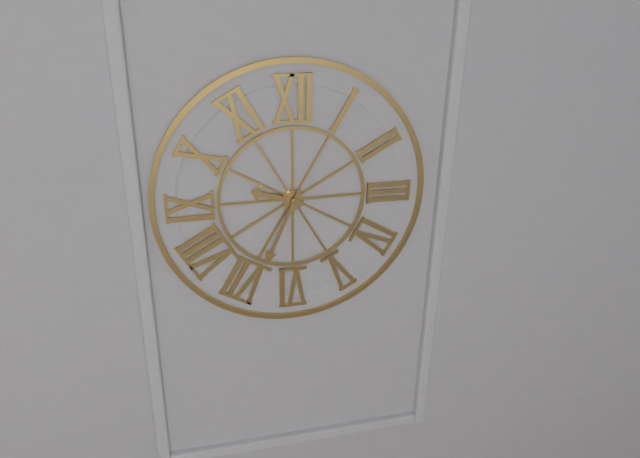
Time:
9h34
